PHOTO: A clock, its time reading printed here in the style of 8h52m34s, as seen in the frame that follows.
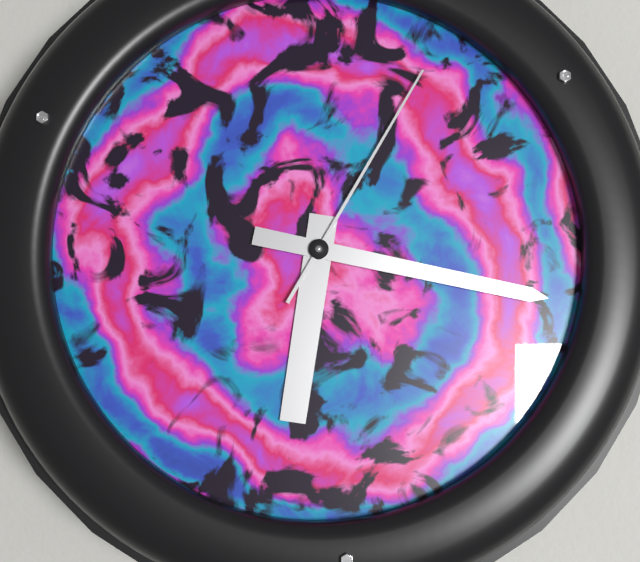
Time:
6h17m05s
